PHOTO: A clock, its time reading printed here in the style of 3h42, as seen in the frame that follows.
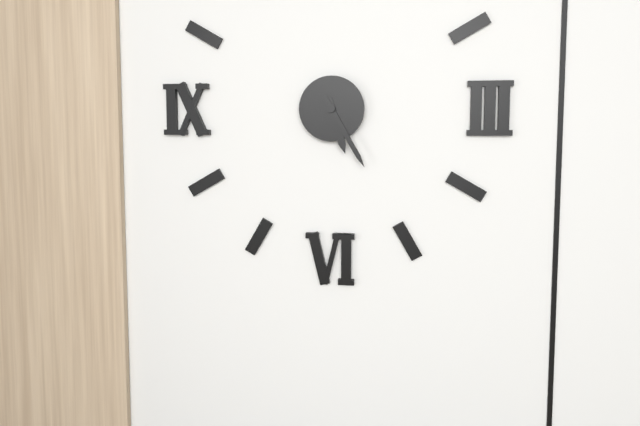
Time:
5h25
